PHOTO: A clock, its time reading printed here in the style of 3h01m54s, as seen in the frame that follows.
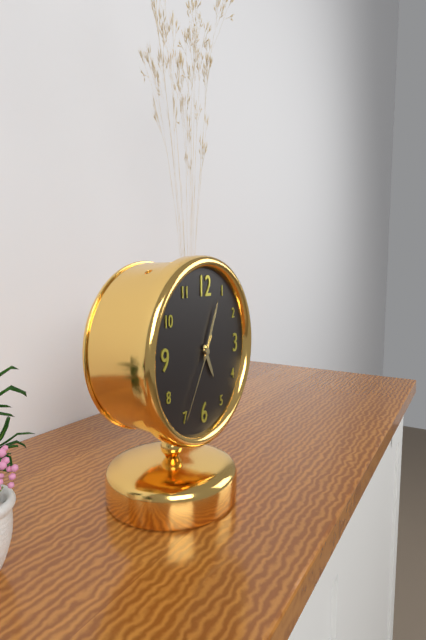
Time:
5h04m35s
